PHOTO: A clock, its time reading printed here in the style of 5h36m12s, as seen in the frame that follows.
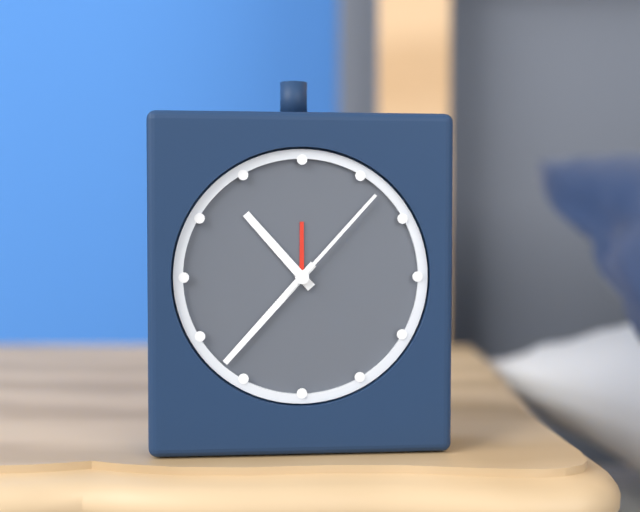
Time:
10h37m07s
